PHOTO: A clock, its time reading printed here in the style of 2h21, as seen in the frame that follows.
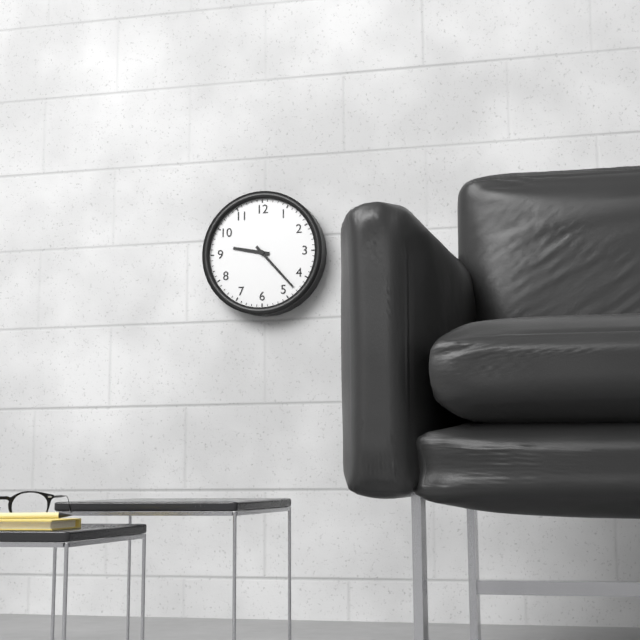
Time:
9h23
